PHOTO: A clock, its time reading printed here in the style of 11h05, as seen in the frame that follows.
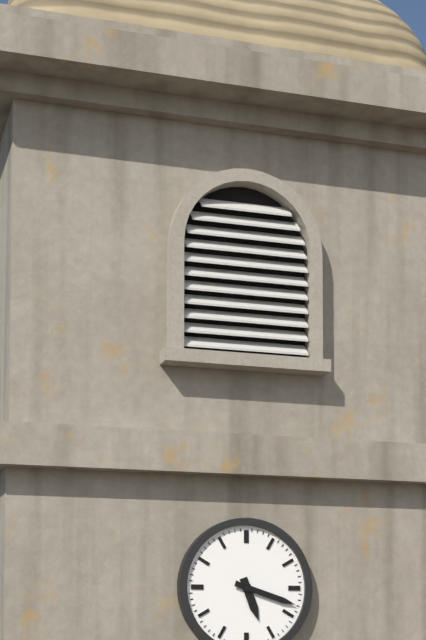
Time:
5h18
